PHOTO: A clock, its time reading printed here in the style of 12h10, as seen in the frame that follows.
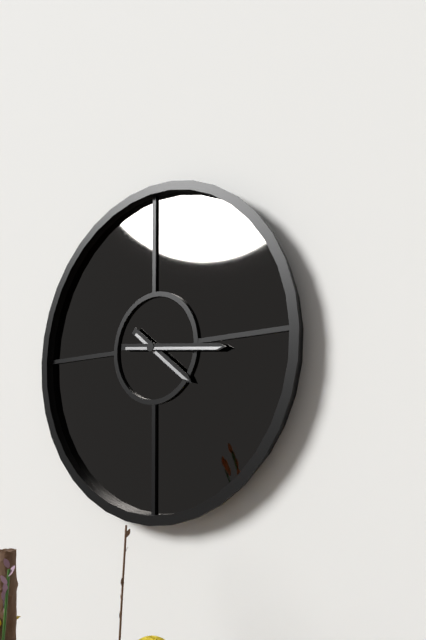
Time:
4h16
